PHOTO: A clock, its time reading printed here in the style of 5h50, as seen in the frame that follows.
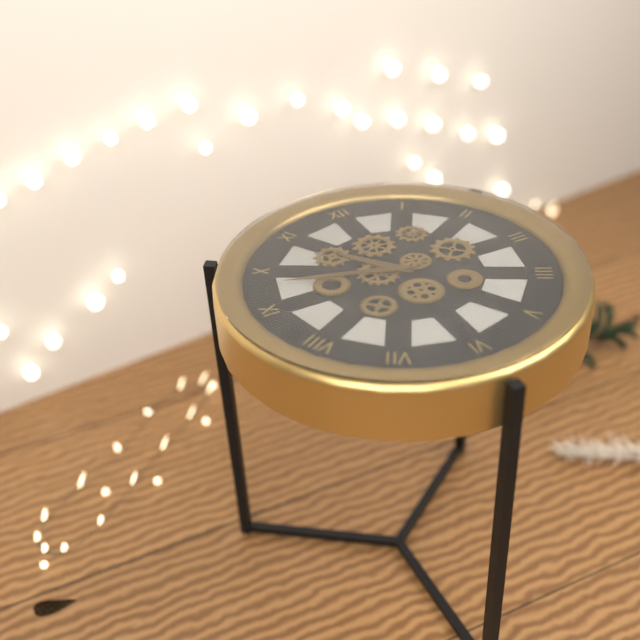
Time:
10h48
